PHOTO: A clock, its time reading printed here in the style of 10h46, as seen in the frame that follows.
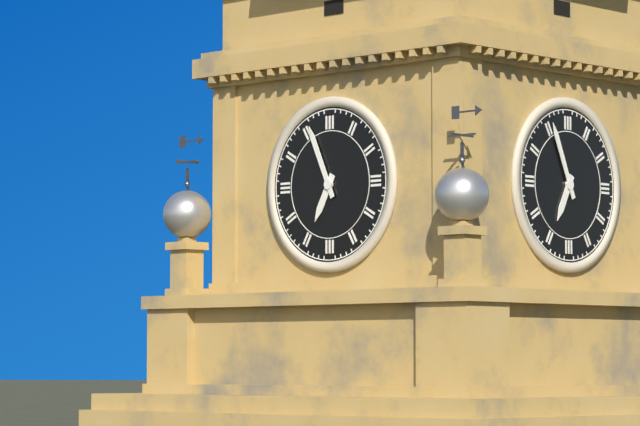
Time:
6h56
